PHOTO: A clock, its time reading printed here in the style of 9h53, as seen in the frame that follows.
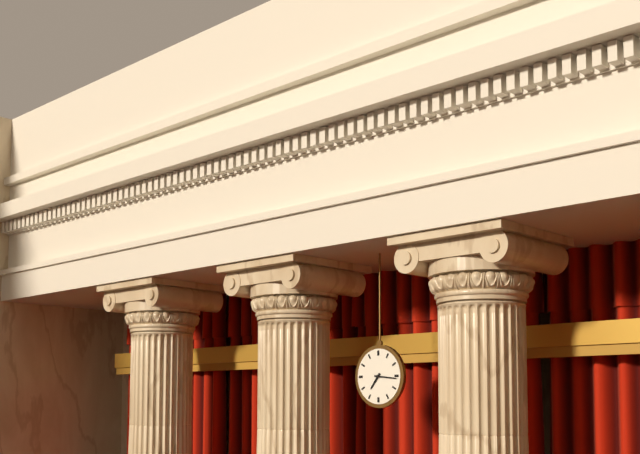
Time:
7h16
